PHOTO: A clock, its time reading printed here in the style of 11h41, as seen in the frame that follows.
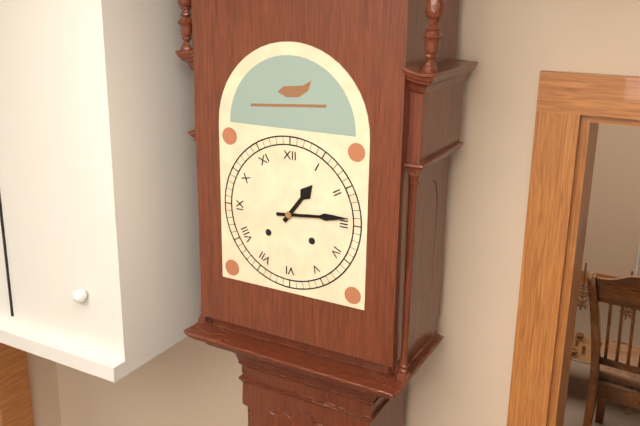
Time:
1h14
